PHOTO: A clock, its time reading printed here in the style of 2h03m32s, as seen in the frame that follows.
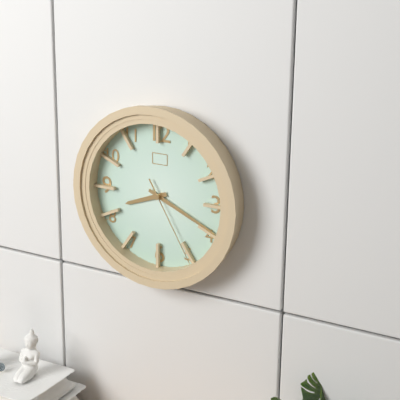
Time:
8h19m25s
